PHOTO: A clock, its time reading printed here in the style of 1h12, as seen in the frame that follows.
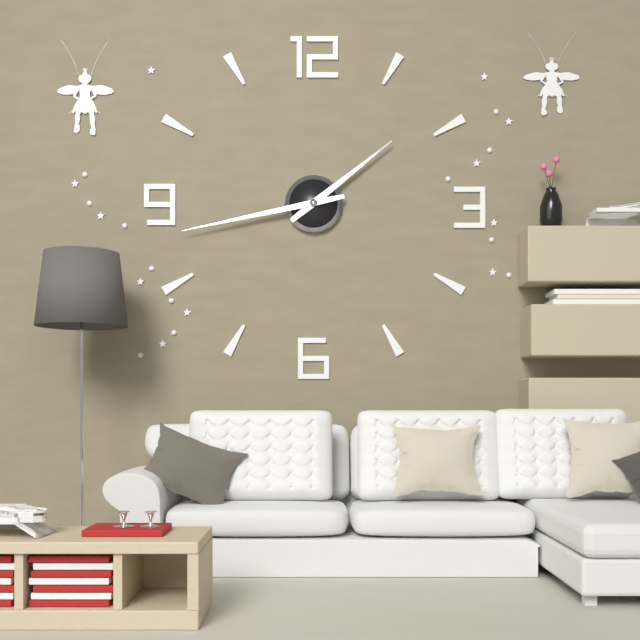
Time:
1h43
